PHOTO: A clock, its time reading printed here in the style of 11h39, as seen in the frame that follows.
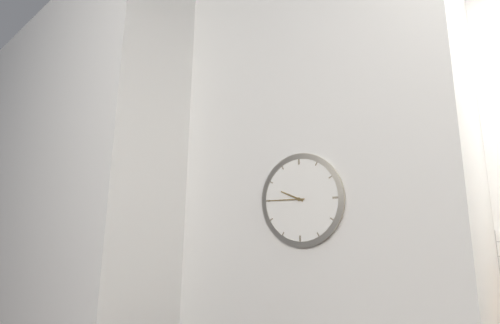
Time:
9h45
